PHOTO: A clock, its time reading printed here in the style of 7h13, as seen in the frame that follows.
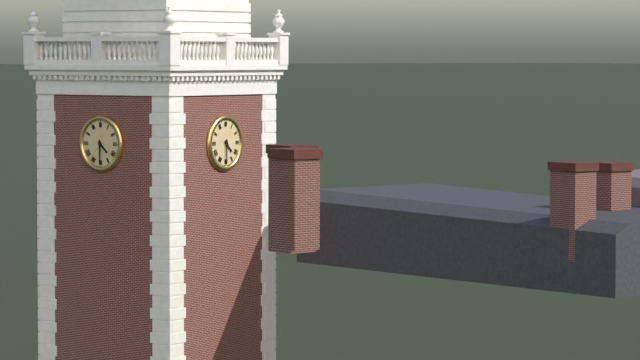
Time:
4h30
